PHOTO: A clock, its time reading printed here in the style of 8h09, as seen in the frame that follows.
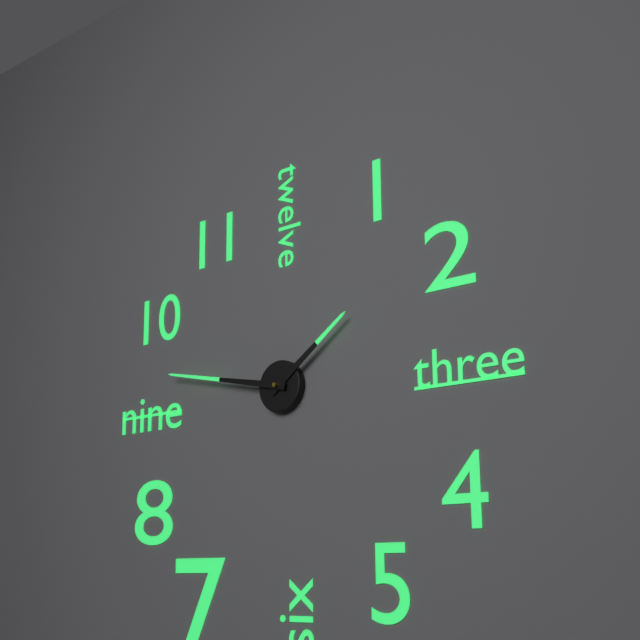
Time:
1h47
